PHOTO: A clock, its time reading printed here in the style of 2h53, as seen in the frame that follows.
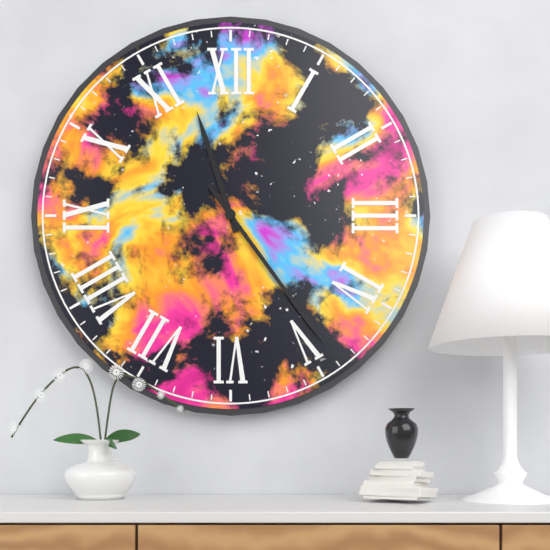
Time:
11h24
